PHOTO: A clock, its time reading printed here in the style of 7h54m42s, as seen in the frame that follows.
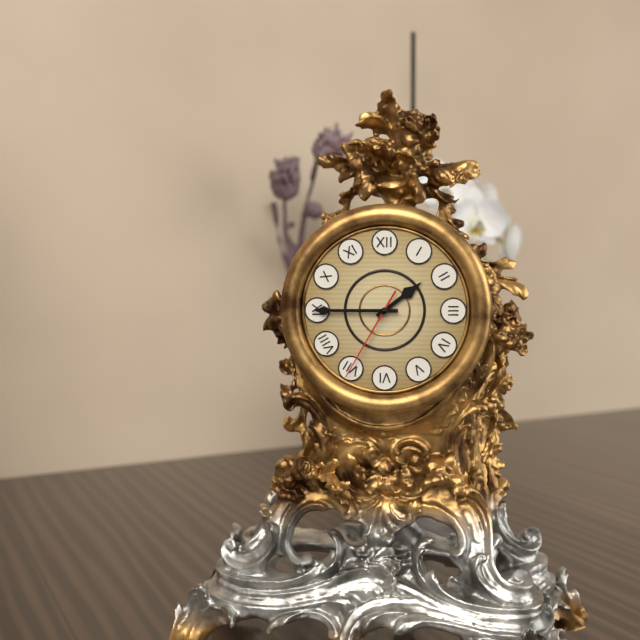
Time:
1h45m35s
